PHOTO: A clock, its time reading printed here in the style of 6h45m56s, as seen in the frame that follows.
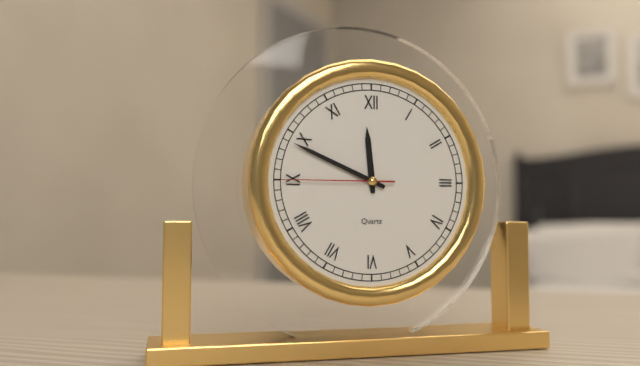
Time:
11h49m45s
